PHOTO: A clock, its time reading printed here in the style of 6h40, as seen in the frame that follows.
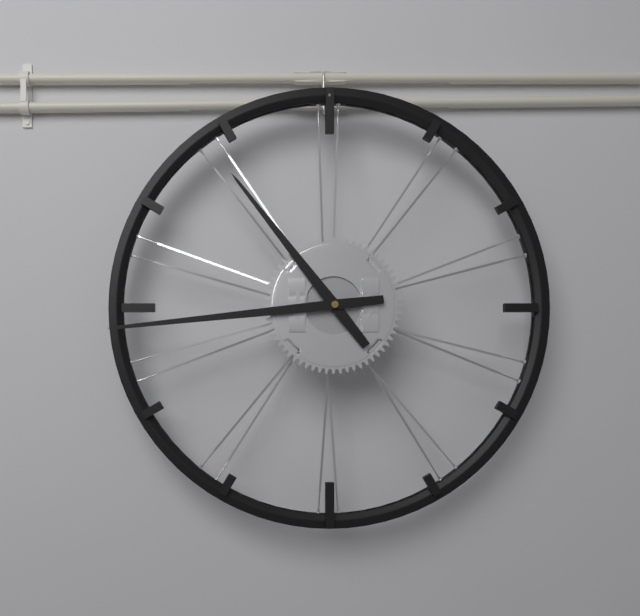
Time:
10h44
